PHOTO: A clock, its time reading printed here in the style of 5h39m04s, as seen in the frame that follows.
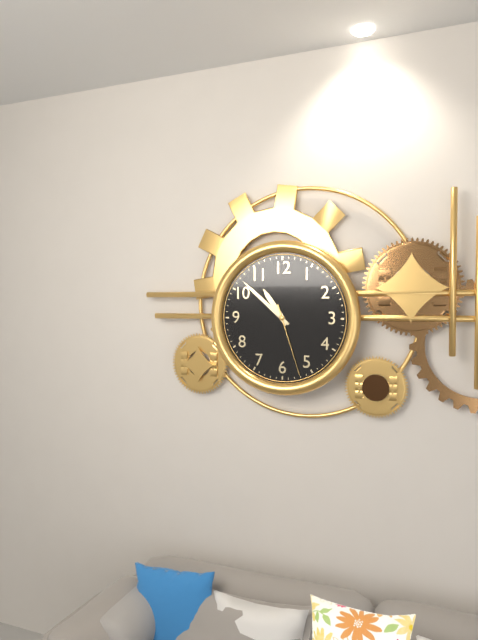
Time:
10h52m27s
